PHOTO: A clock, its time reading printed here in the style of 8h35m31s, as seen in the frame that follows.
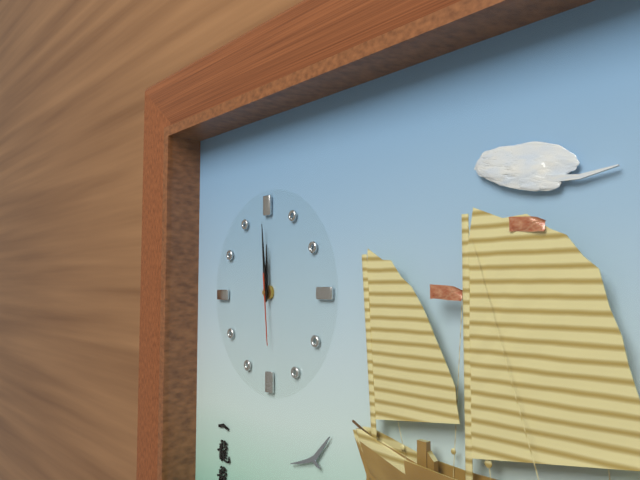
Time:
11h59m29s
